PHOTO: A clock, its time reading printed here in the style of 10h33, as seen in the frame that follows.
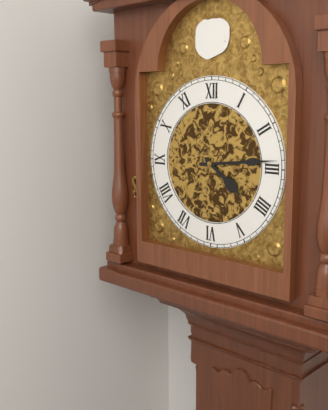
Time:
4h14
